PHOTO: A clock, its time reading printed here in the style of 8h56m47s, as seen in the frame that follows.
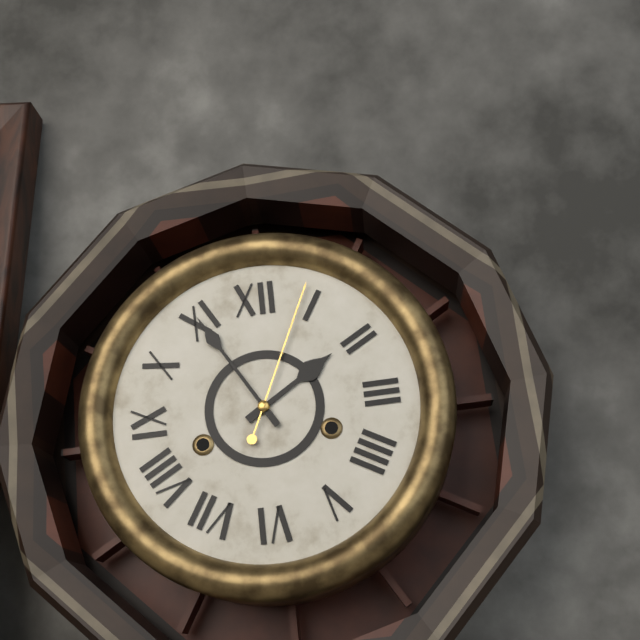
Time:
1h55m04s
